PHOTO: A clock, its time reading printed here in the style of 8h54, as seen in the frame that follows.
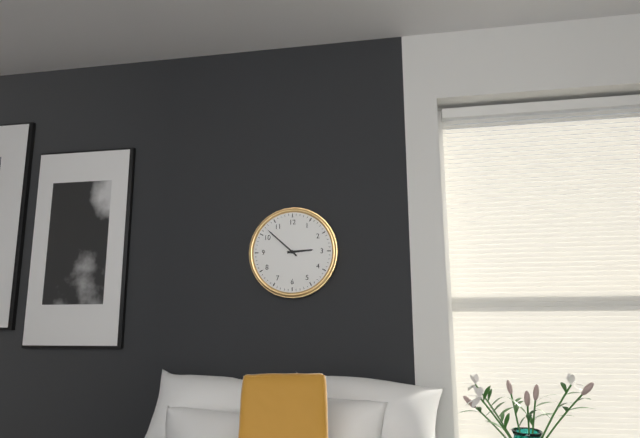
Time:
2h52
